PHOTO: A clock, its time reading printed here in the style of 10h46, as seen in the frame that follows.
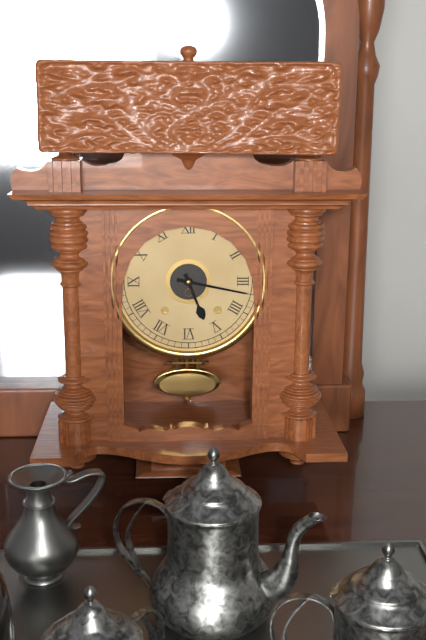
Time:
5h17
